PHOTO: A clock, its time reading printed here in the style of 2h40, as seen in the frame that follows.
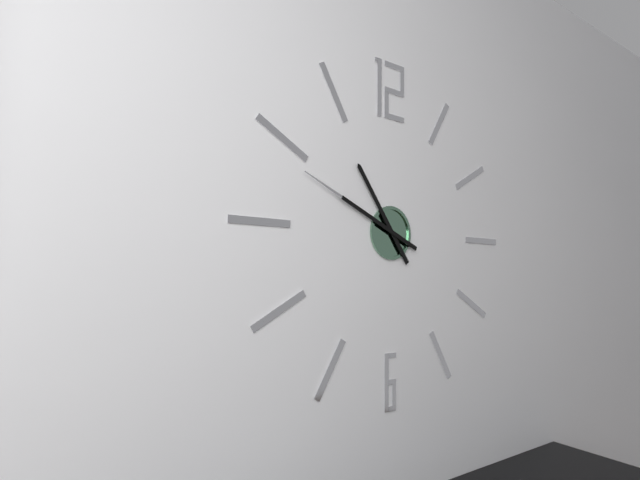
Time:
10h49
